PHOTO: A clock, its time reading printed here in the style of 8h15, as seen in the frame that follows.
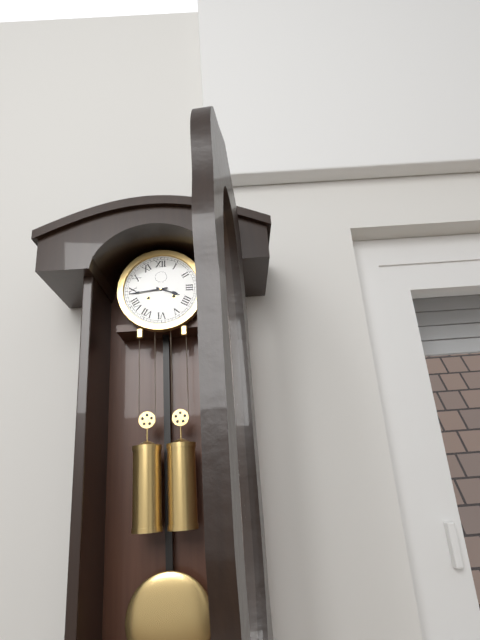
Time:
3h44
